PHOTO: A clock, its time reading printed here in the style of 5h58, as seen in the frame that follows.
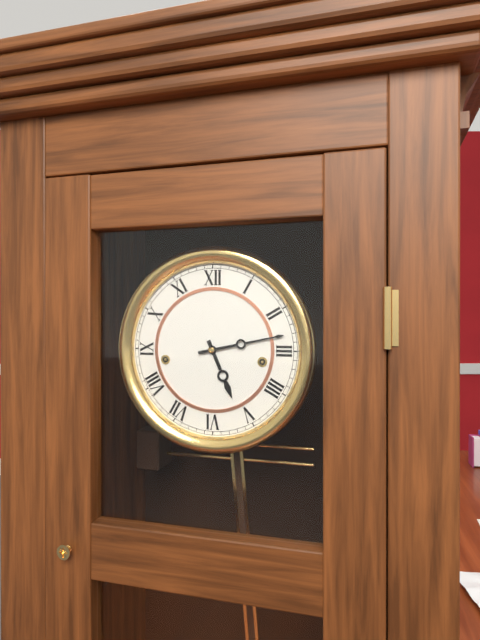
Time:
5h13
